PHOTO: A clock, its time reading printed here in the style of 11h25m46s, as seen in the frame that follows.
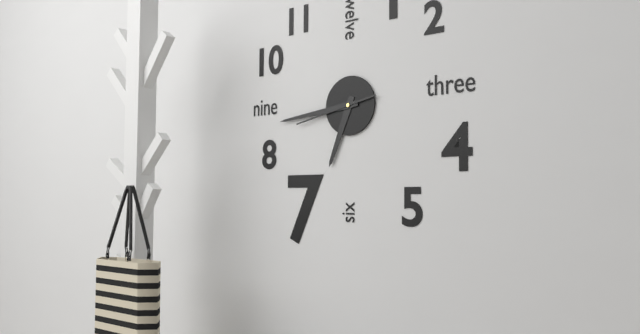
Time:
6h44m43s
